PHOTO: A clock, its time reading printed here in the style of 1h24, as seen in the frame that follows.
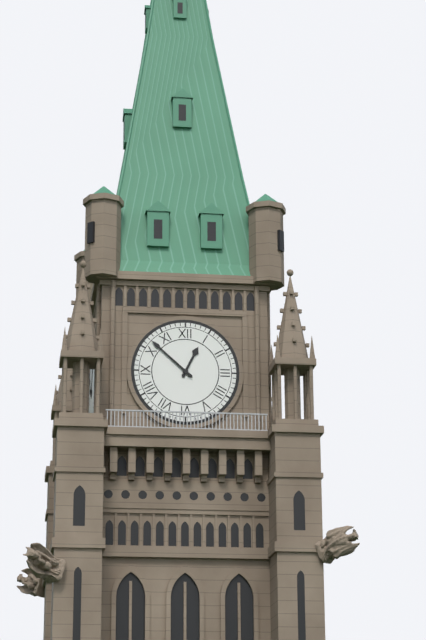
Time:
12h52
